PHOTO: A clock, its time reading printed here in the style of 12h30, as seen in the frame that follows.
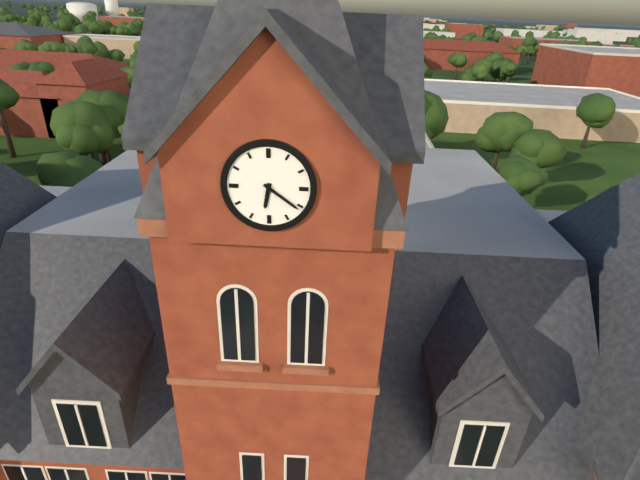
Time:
6h21
